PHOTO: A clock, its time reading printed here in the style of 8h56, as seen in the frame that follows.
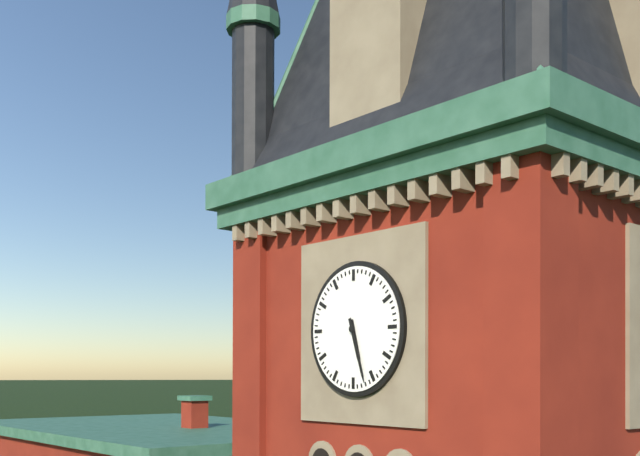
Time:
5h27
